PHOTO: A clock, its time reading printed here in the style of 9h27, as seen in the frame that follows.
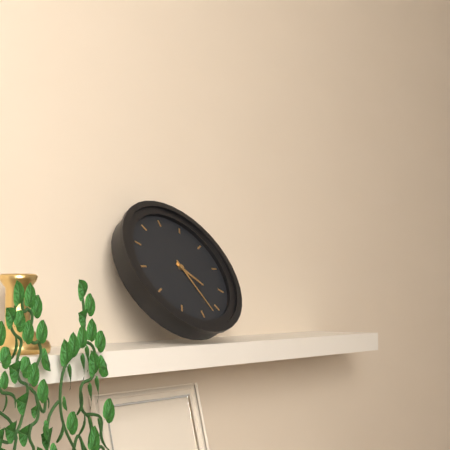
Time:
4h27
